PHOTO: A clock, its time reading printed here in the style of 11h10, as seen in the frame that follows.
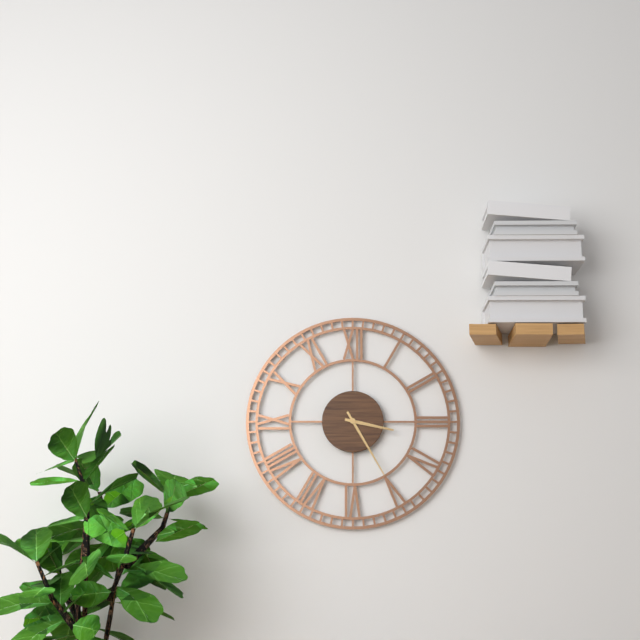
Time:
3h25
